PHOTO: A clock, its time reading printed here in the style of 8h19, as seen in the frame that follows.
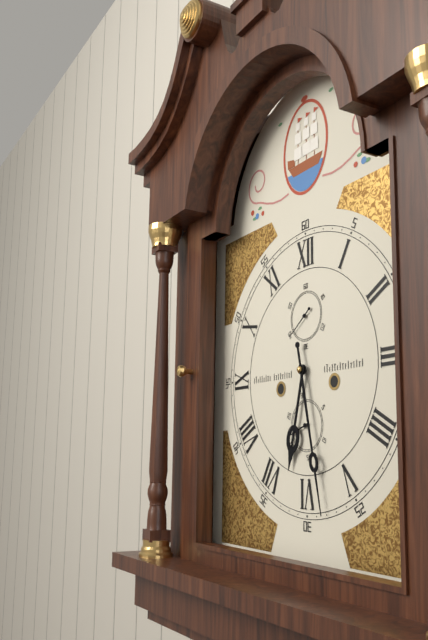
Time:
6h28
